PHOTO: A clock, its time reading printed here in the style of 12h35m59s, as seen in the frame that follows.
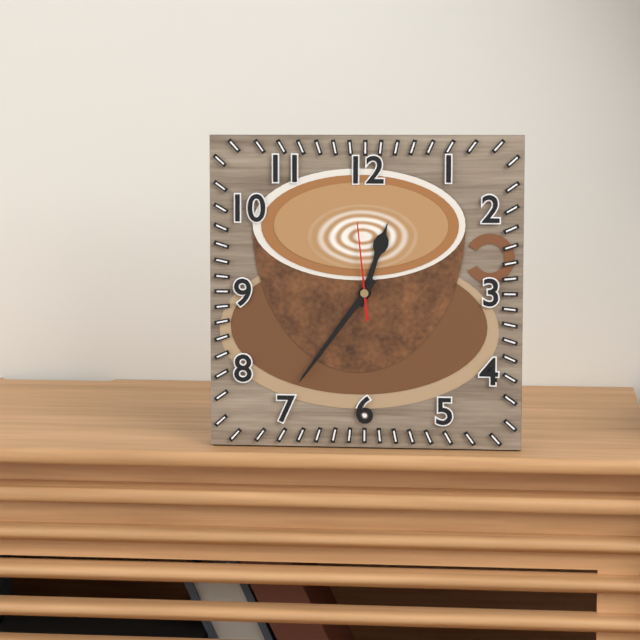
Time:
12h36m59s
